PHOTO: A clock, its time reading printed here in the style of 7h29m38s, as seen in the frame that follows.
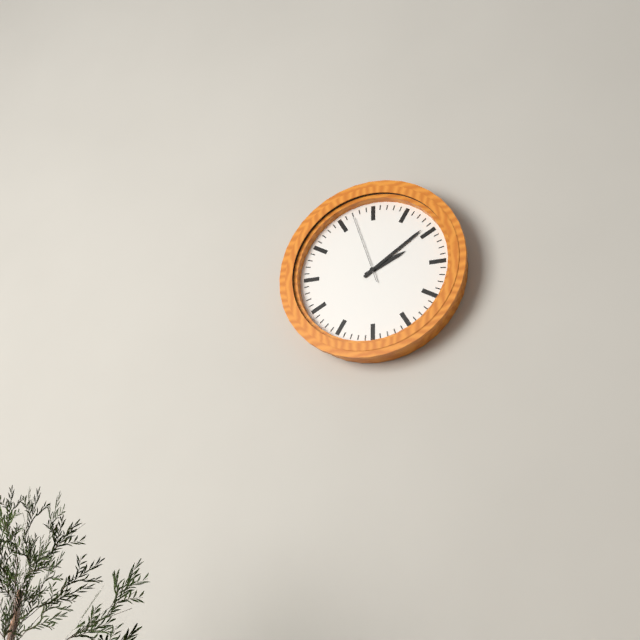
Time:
2h09m57s
